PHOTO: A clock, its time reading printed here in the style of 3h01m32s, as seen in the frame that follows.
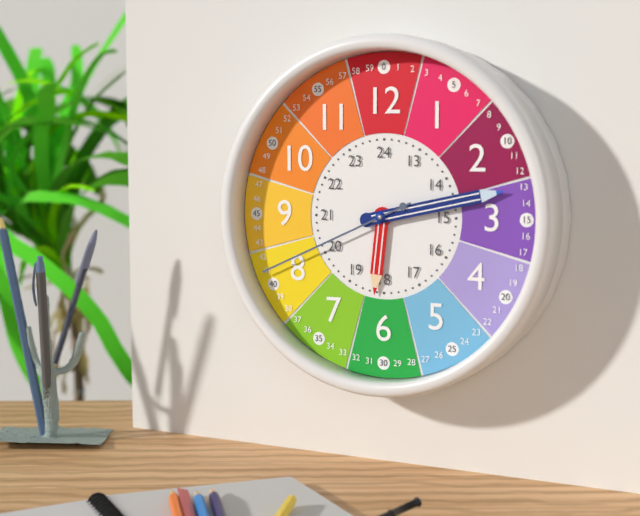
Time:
6h13m41s
